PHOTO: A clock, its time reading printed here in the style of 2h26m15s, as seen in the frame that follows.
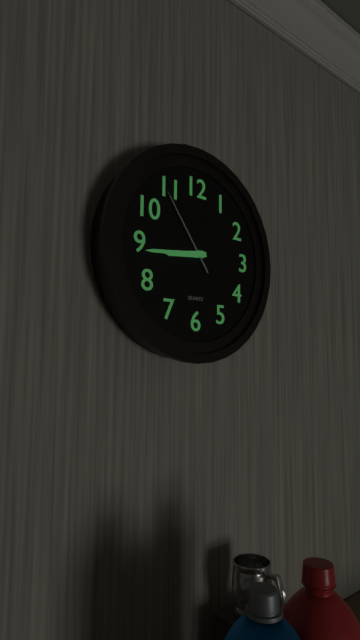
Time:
8h44m54s
